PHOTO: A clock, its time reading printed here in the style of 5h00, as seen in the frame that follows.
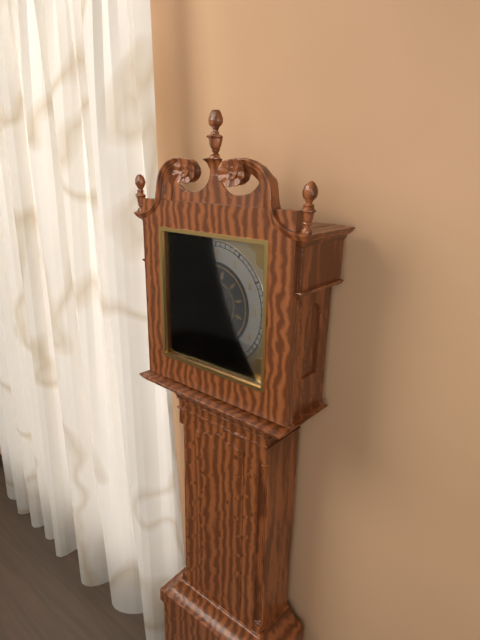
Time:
4h49
